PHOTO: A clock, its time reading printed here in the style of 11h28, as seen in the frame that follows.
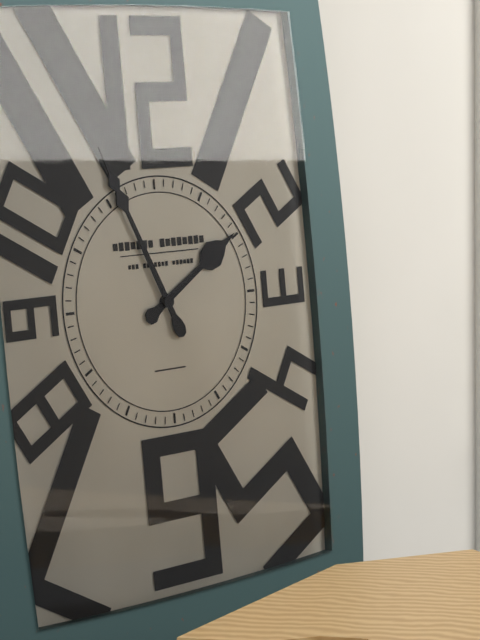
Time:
1h56
